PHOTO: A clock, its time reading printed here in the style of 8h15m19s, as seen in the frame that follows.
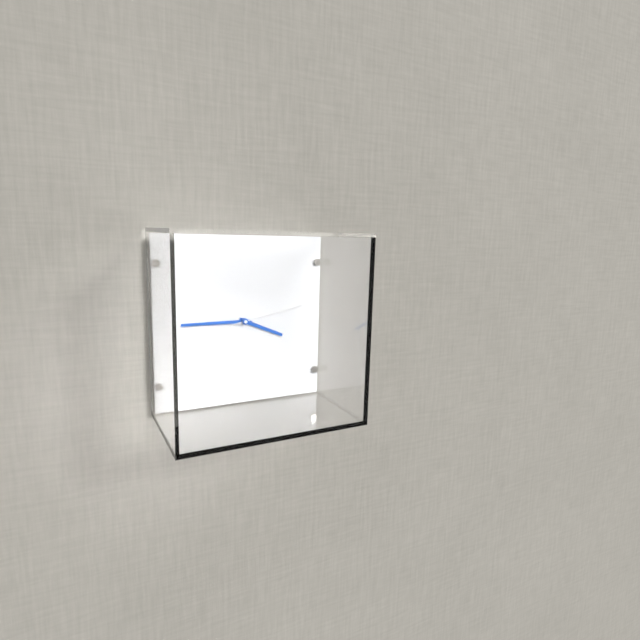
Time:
3h45m13s
